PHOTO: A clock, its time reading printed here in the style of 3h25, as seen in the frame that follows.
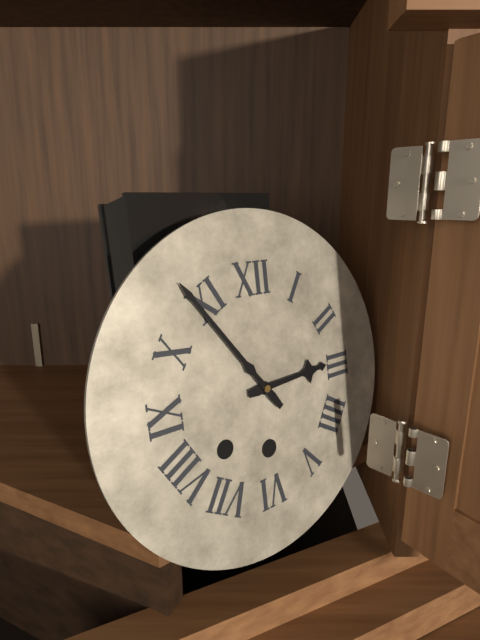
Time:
2h54
